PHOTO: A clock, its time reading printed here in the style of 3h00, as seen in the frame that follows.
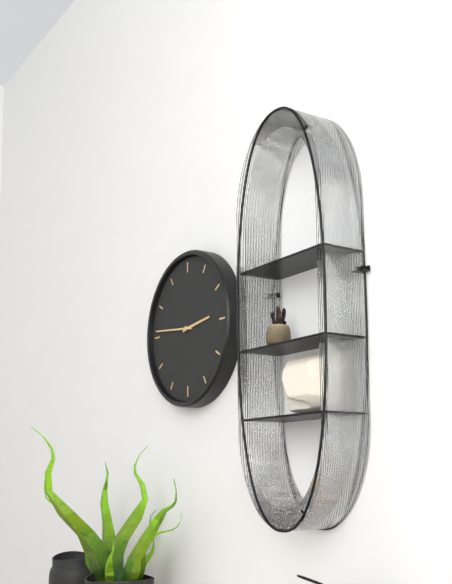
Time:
2h46
